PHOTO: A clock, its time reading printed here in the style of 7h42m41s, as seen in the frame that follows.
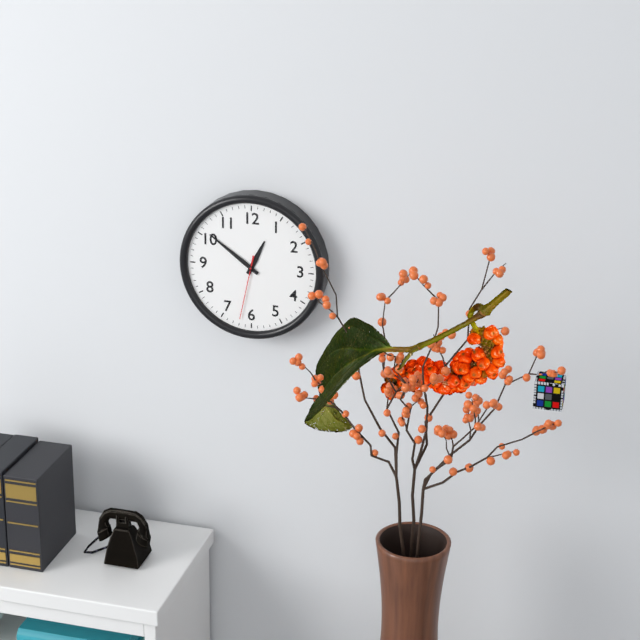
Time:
12h51m32s
